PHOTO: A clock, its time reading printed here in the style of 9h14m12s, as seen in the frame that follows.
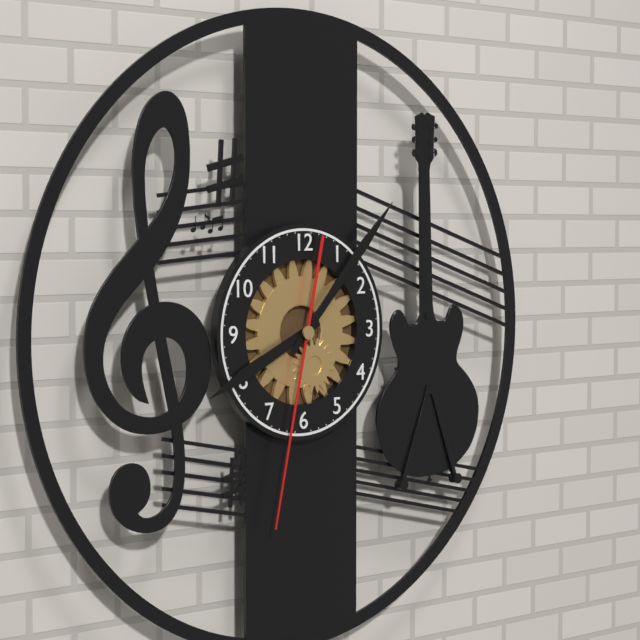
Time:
8h07m32s
